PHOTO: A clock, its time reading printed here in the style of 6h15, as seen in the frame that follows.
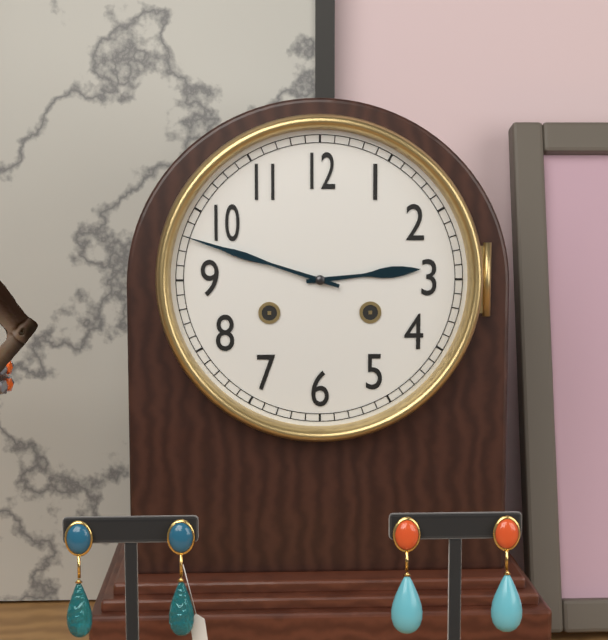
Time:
2h48
